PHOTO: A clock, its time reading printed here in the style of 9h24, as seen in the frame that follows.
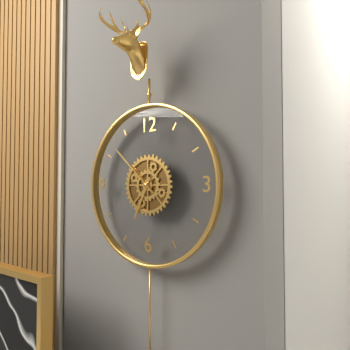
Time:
6h52
